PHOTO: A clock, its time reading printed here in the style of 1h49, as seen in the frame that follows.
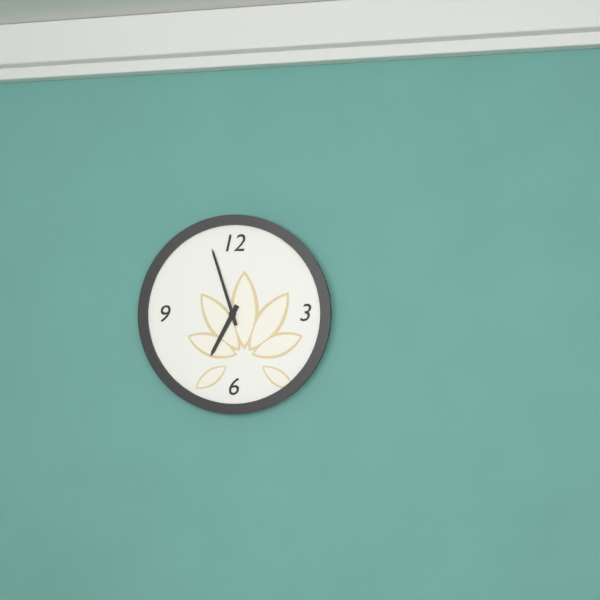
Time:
6h57
